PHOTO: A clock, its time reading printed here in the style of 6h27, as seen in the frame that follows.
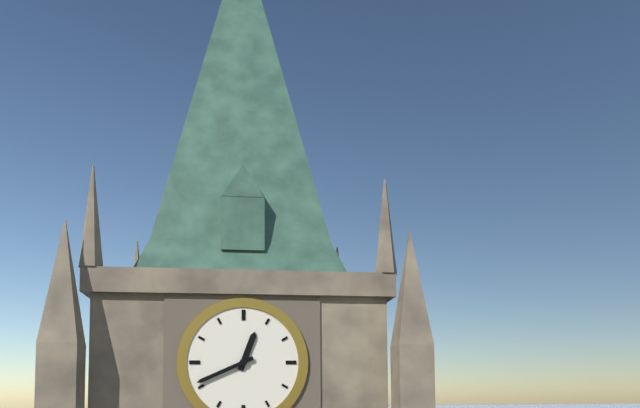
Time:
12h41
